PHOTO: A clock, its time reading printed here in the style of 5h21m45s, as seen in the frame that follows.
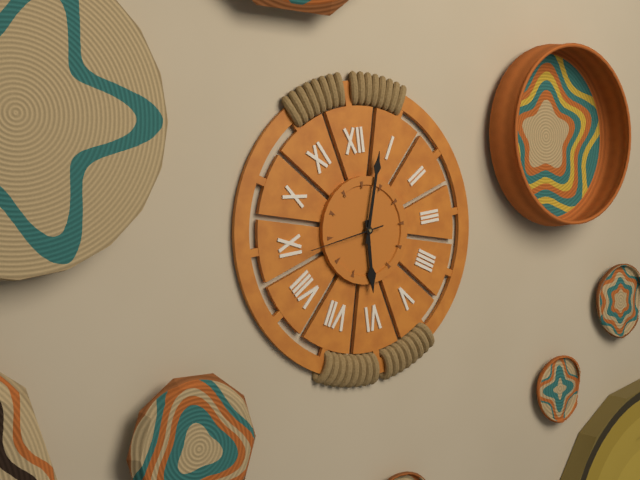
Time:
6h03m44s
